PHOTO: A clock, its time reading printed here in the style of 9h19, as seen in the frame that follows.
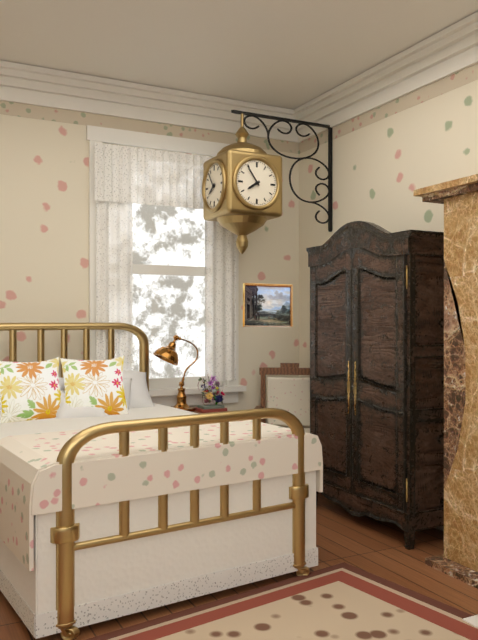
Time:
7h54
